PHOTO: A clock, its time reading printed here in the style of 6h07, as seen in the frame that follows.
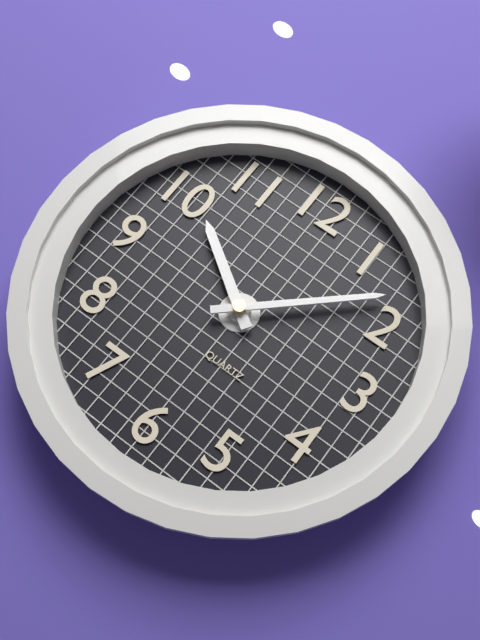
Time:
10h08
